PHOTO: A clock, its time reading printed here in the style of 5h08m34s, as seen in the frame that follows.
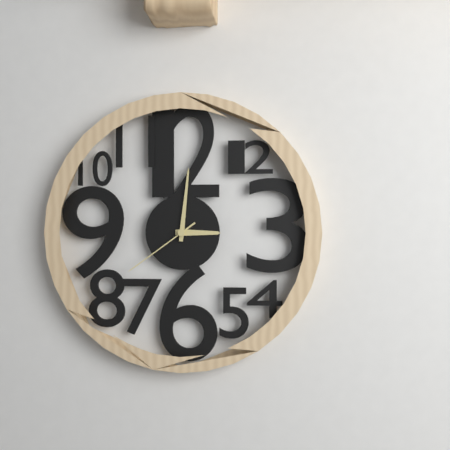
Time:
3h01m39s
